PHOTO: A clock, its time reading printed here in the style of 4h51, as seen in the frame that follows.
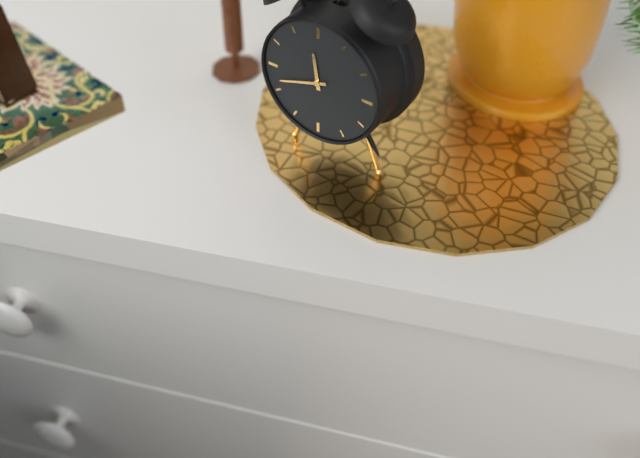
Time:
11h42
